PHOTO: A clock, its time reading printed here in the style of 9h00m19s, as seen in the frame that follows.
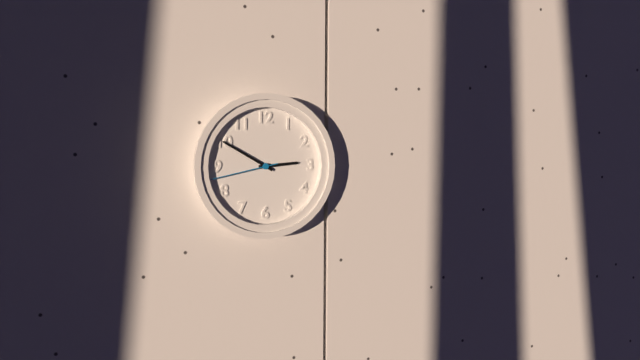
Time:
2h50m43s
